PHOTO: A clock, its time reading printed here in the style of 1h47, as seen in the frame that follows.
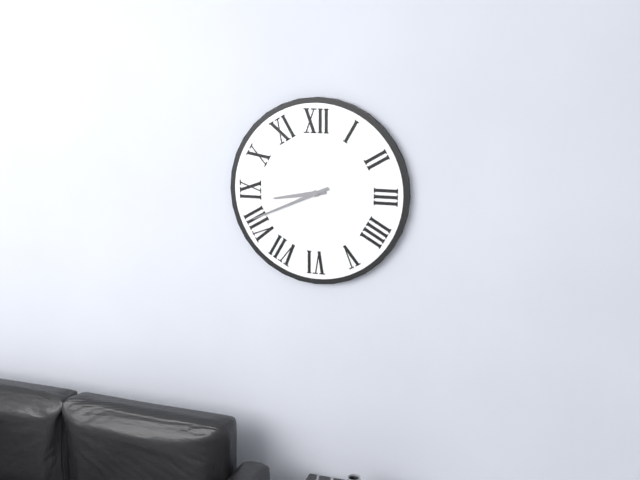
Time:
8h41
